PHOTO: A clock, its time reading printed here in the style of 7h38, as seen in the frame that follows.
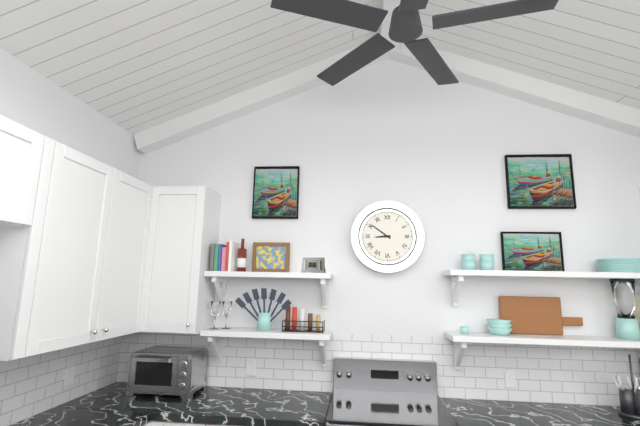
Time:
8h51
